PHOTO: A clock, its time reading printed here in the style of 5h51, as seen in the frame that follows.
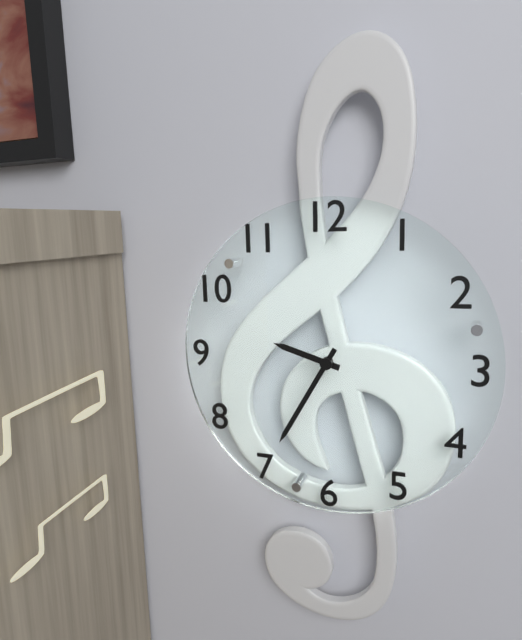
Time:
9h35
